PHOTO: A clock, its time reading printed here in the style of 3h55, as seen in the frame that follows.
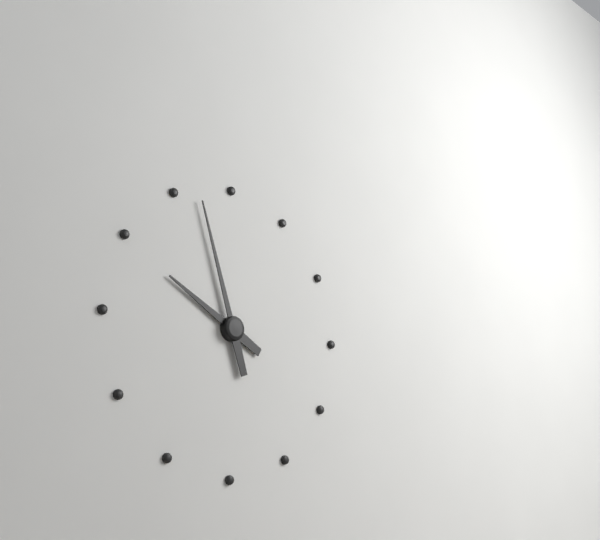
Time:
9h57
